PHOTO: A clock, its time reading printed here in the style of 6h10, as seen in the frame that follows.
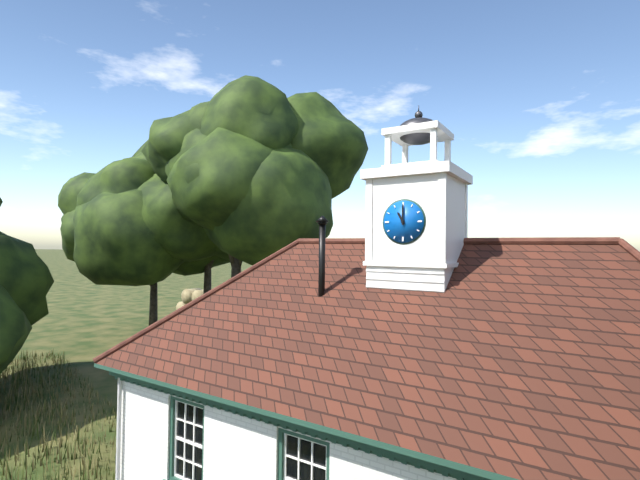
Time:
11h00
